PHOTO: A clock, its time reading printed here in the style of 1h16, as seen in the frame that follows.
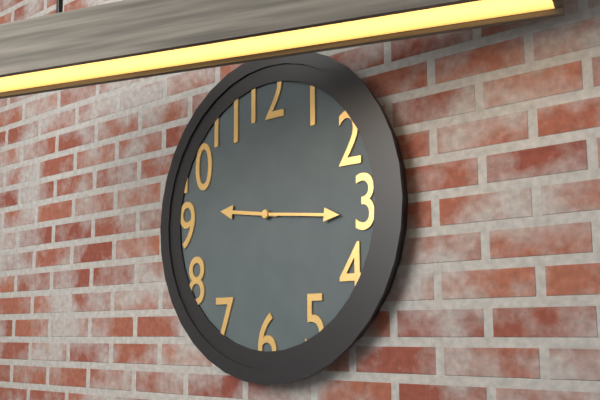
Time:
9h16
